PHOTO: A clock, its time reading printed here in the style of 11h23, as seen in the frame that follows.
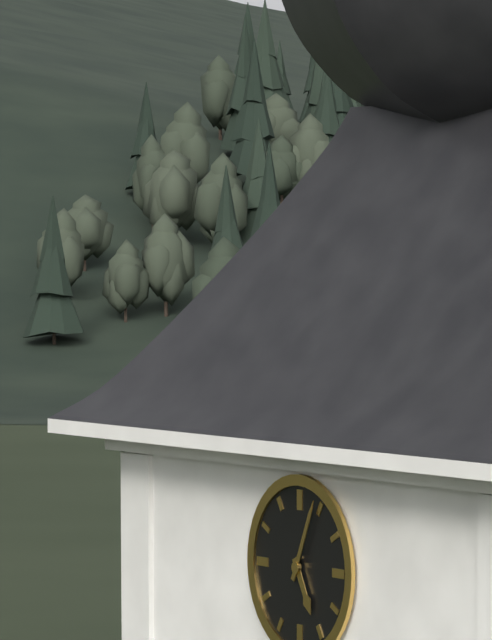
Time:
5h04
